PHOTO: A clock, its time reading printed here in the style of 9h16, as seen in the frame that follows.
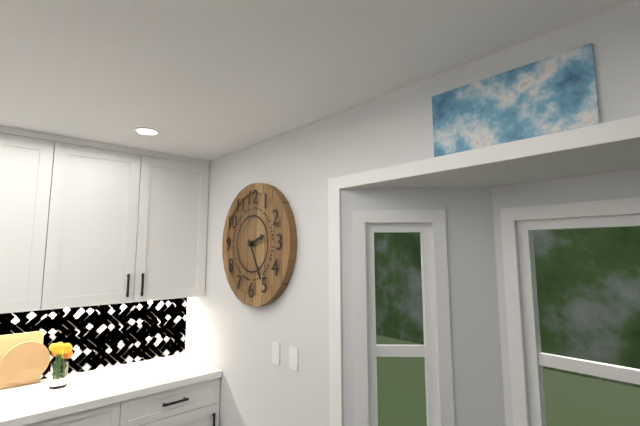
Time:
2h25
